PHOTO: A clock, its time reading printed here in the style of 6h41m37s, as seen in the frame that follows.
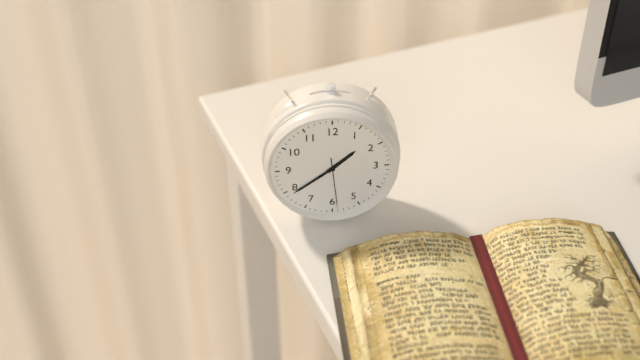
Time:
1h39m29s
